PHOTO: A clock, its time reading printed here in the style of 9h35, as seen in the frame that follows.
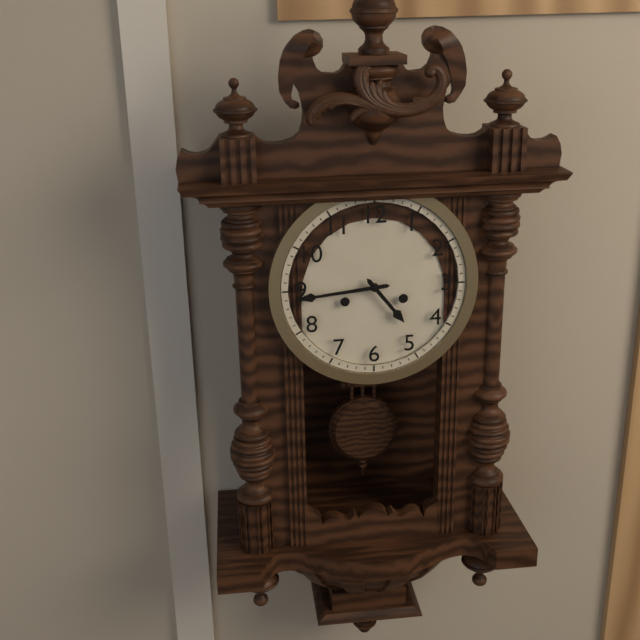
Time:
4h44
